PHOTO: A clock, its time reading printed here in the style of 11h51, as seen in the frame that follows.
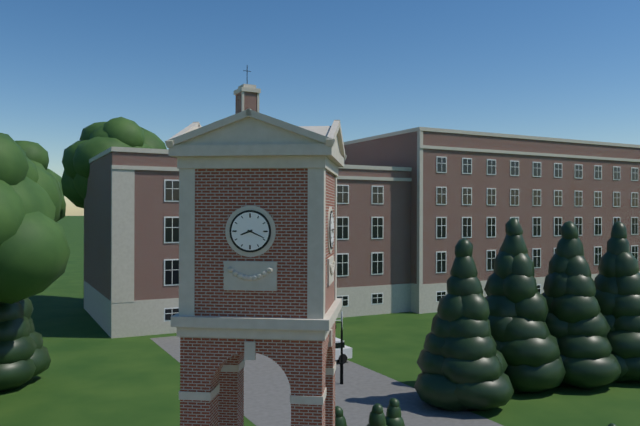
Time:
8h19
